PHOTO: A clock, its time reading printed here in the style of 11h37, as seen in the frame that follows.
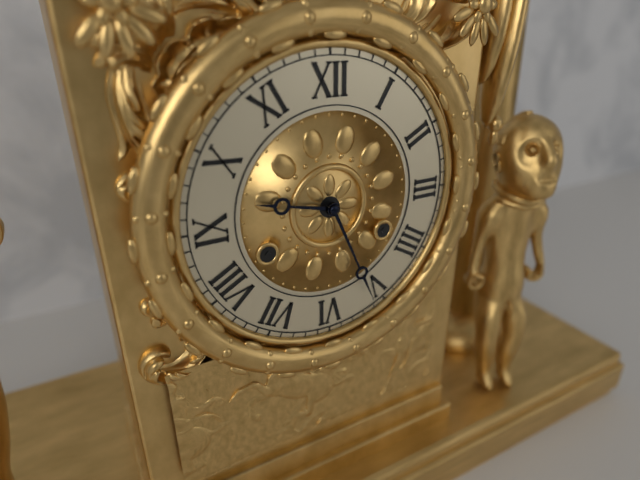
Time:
9h26
